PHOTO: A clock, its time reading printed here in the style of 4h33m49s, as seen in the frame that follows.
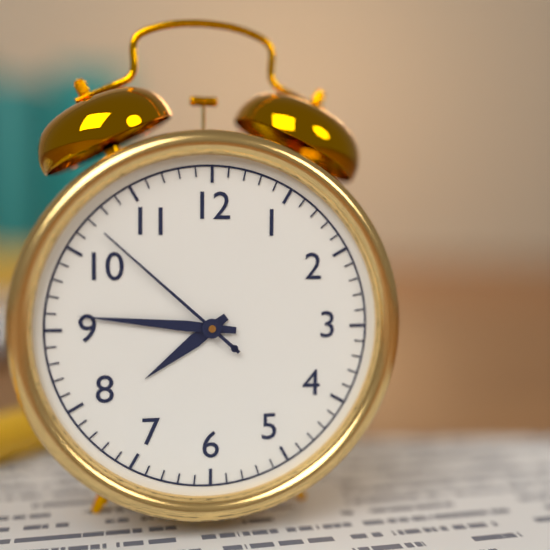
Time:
7h46m52s
